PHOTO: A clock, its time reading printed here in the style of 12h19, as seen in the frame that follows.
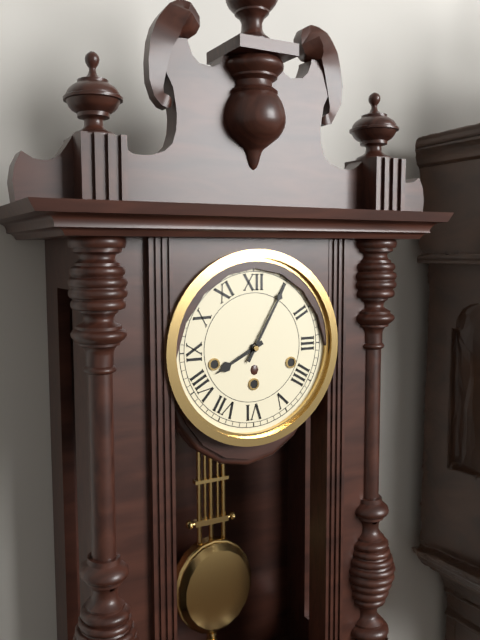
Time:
8h05
